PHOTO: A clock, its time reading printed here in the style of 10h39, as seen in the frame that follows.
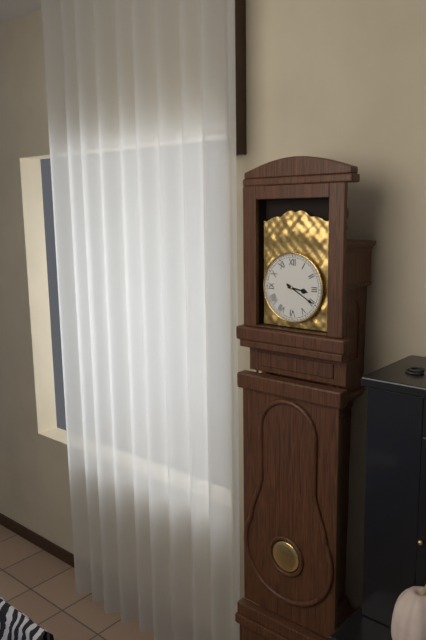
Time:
3h20
